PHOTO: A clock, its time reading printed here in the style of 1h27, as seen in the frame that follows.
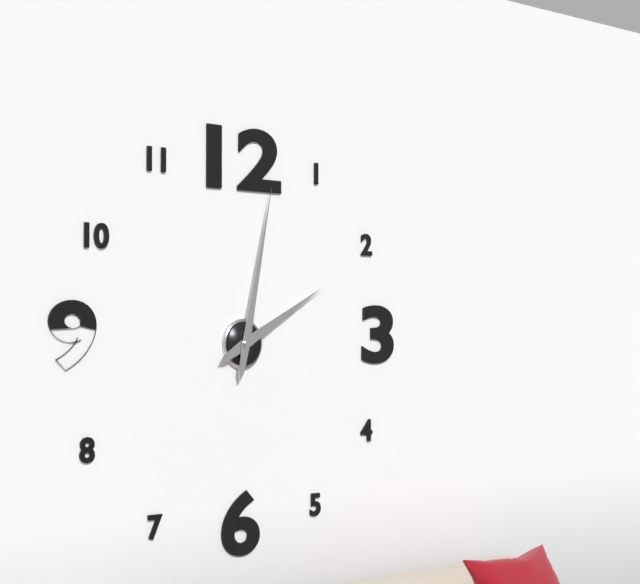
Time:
2h02
